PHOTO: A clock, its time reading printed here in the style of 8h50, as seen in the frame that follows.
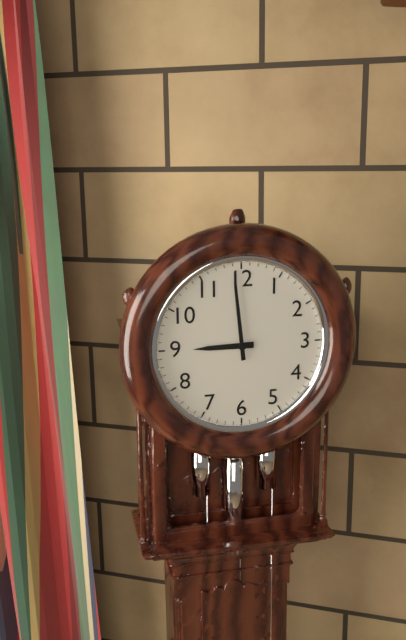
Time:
8h59
